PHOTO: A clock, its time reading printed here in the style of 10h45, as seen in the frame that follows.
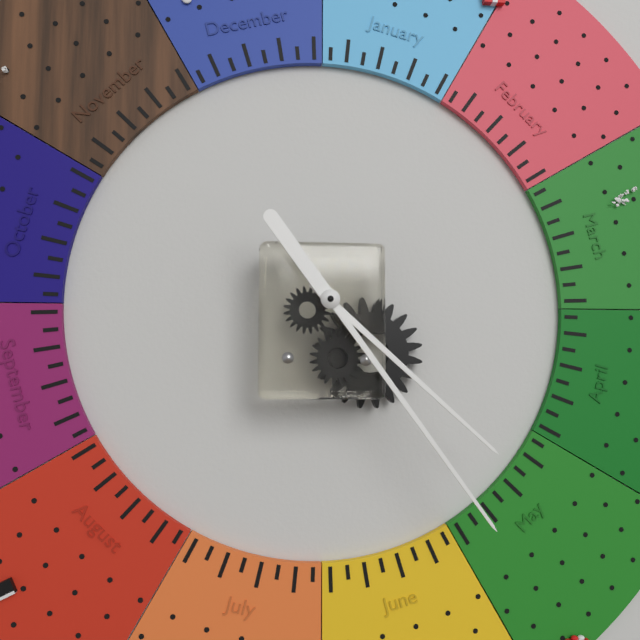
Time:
4h24
